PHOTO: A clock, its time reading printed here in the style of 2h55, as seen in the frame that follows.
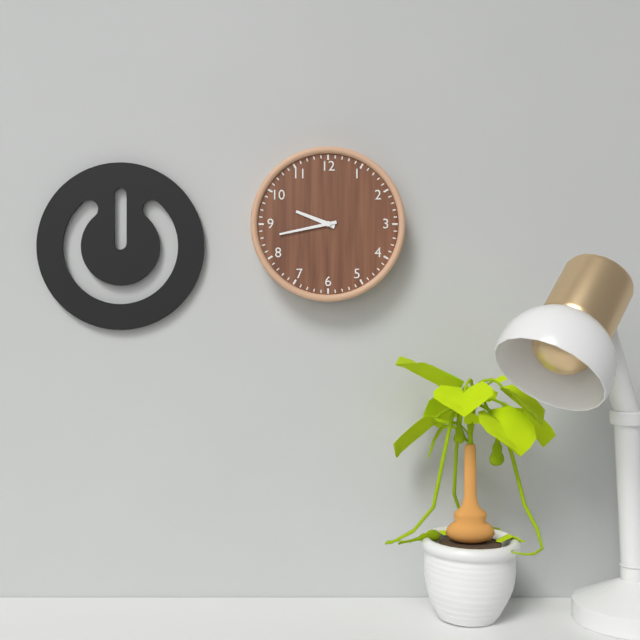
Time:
9h43
